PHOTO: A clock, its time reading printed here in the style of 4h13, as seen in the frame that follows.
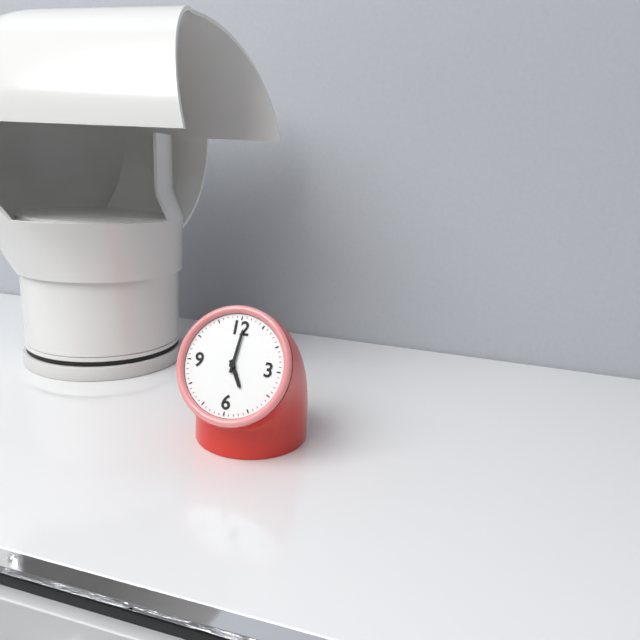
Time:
5h01
